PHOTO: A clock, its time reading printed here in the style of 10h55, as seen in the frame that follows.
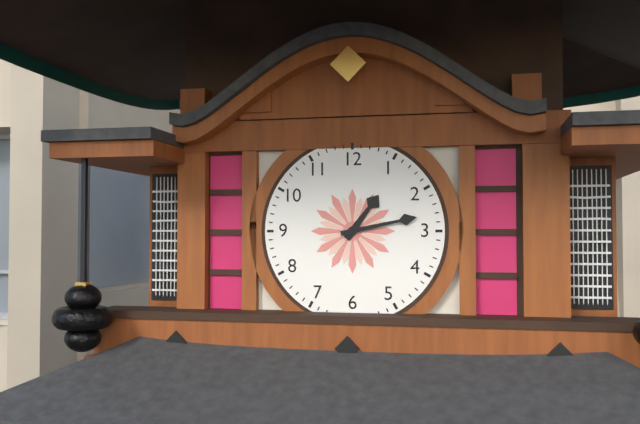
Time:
1h13
